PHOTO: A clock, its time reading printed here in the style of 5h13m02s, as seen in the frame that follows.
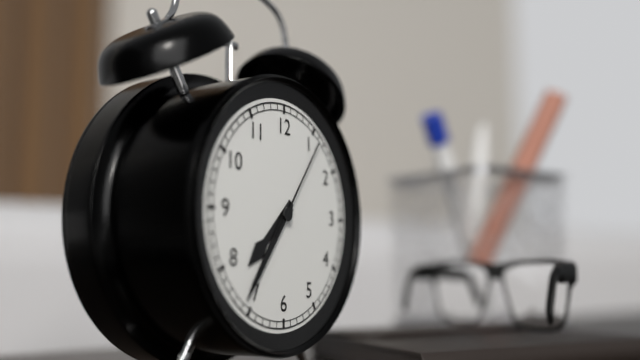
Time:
7h36m06s
